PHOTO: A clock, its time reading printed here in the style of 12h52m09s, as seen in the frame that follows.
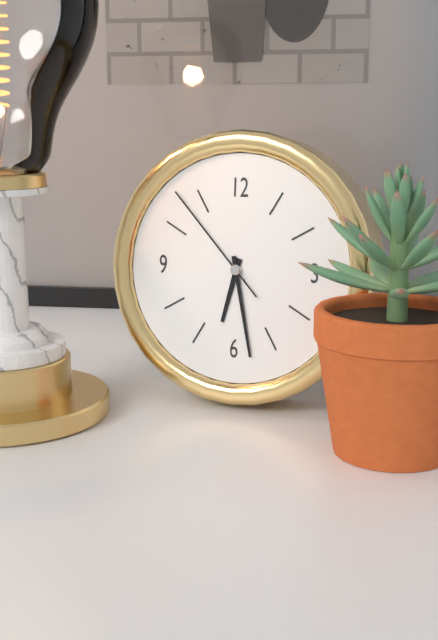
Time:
6h28m53s
